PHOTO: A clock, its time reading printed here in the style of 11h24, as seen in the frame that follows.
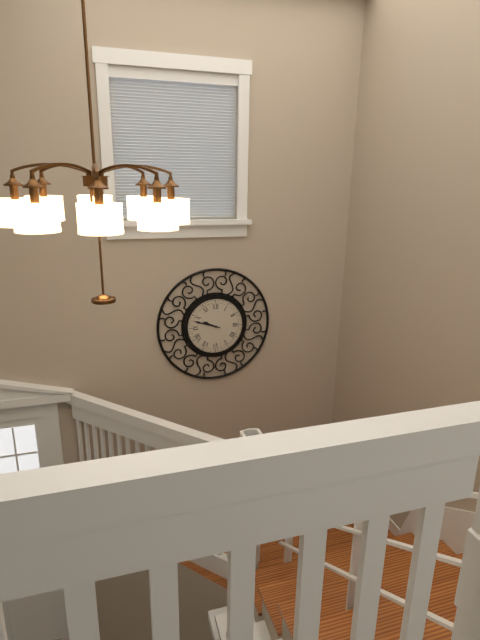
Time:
9h48
